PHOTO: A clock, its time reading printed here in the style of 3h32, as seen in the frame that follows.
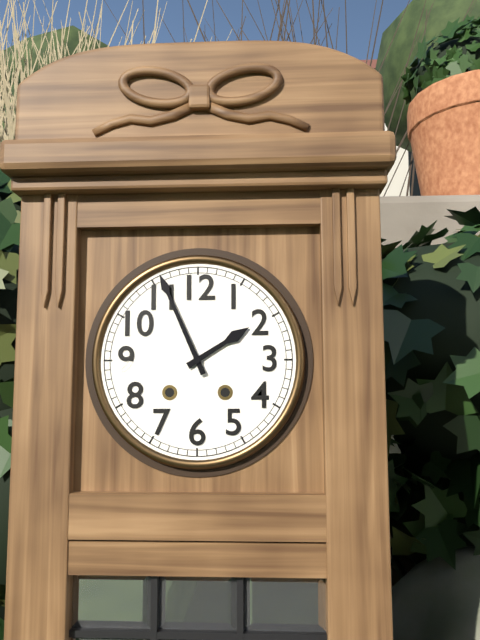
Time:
1h56
